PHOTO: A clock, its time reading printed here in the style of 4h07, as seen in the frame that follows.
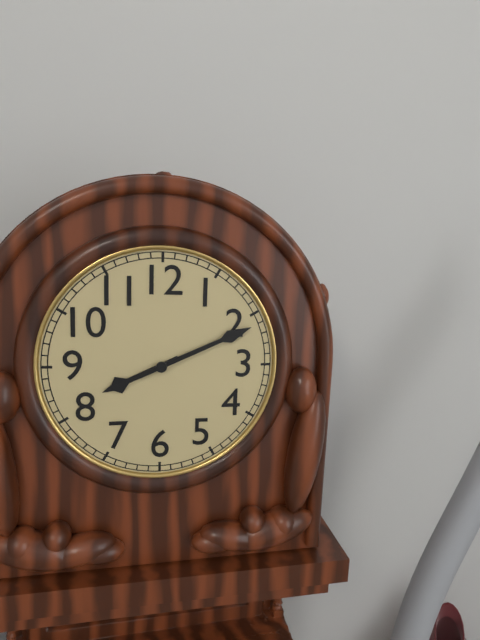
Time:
8h11
